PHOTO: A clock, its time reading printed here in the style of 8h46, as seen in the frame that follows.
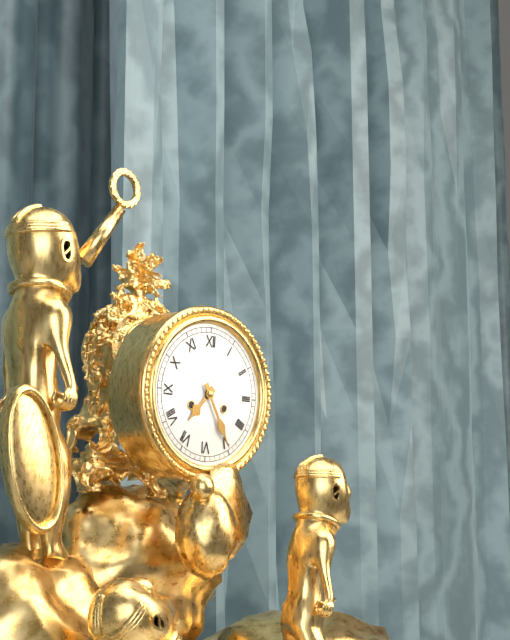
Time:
7h25
